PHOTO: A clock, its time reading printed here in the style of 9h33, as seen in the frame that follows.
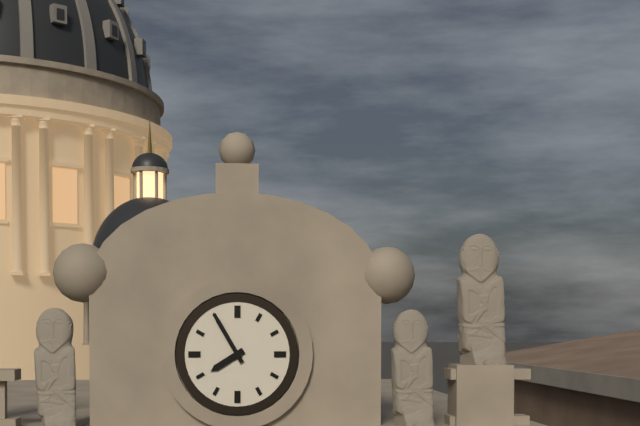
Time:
7h55
